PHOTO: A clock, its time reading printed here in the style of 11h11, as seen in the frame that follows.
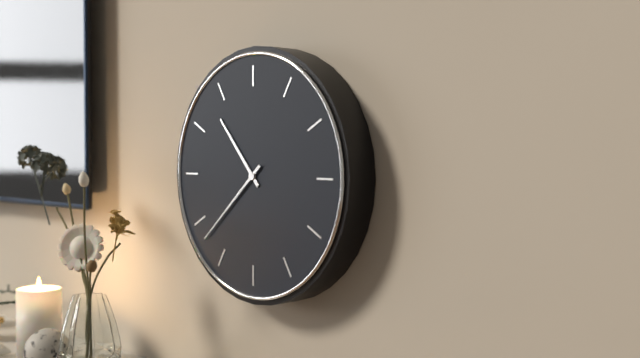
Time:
10h38
